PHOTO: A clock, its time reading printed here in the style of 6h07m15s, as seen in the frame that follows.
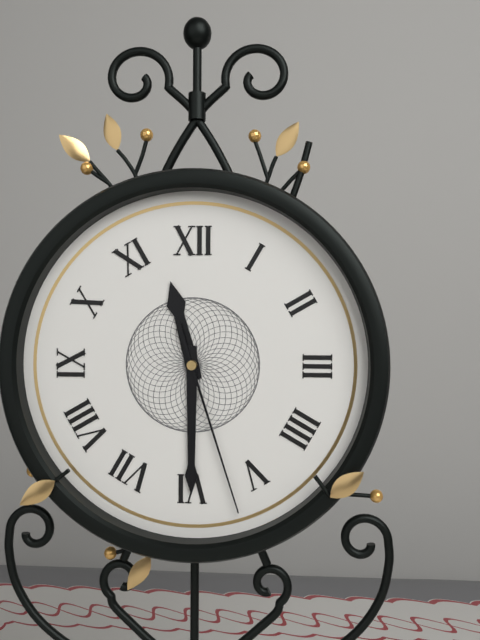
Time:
11h30m27s
